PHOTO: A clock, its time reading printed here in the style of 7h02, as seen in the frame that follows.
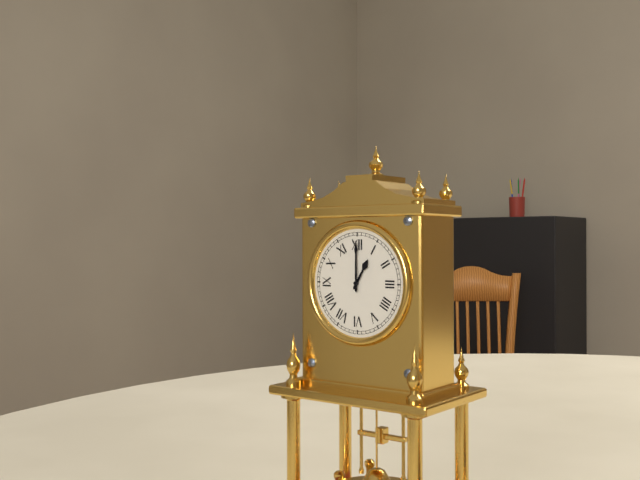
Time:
1h00
